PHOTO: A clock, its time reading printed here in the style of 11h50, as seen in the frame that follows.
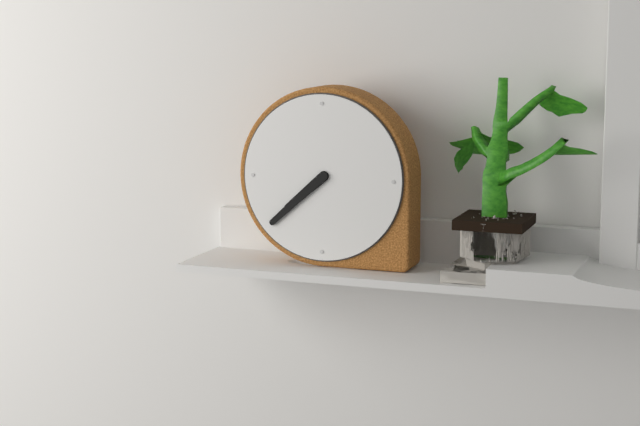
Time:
7h38
